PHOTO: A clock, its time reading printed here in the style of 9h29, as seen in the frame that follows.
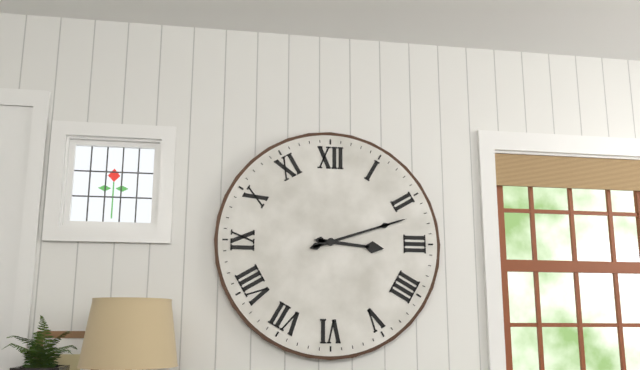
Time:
3h12
